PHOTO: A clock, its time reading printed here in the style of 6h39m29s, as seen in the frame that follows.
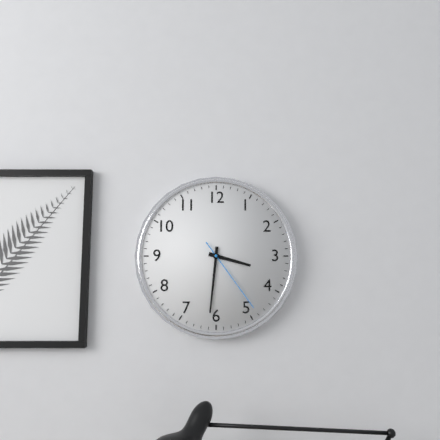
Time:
3h31m24s
